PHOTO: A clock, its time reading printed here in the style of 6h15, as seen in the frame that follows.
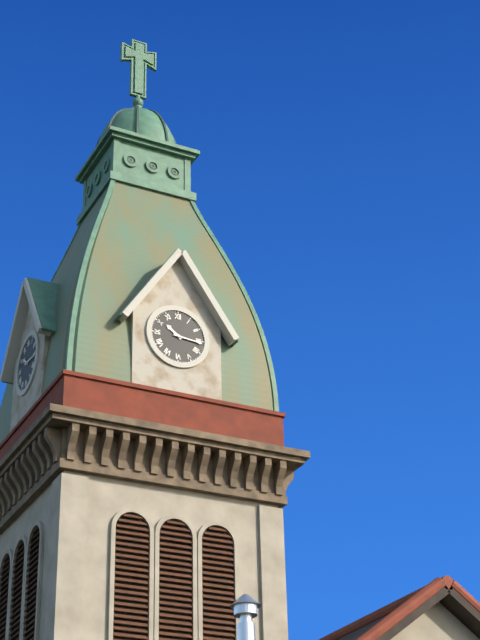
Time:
10h16
